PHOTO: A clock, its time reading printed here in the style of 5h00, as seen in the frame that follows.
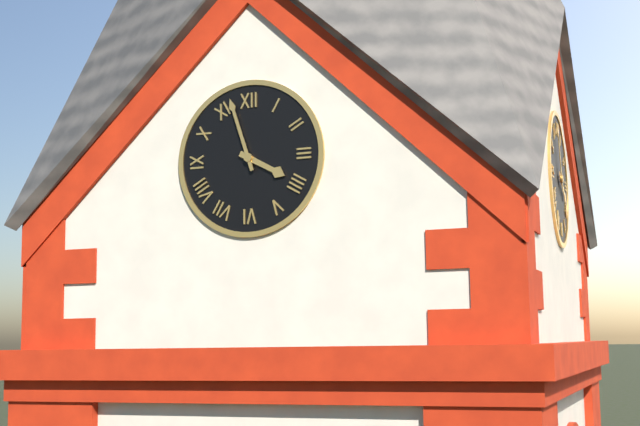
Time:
3h57
